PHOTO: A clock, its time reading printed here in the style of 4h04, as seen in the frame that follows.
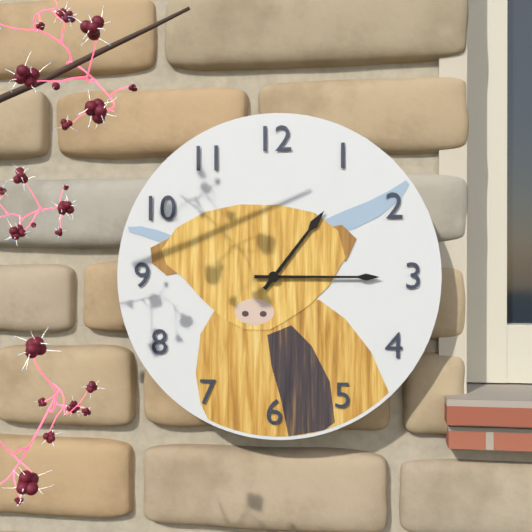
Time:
1h15
